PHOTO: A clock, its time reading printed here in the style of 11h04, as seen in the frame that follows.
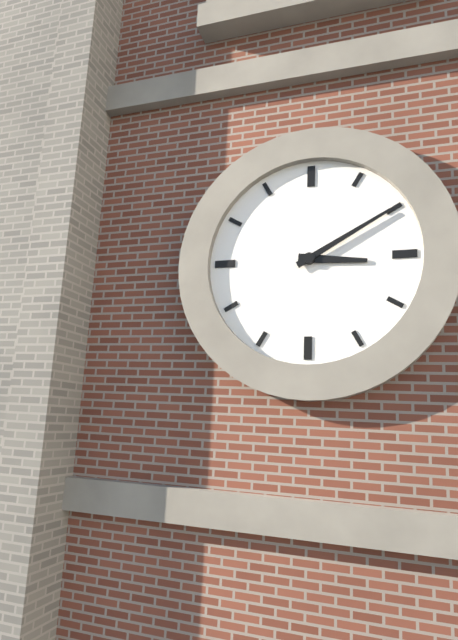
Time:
3h10
